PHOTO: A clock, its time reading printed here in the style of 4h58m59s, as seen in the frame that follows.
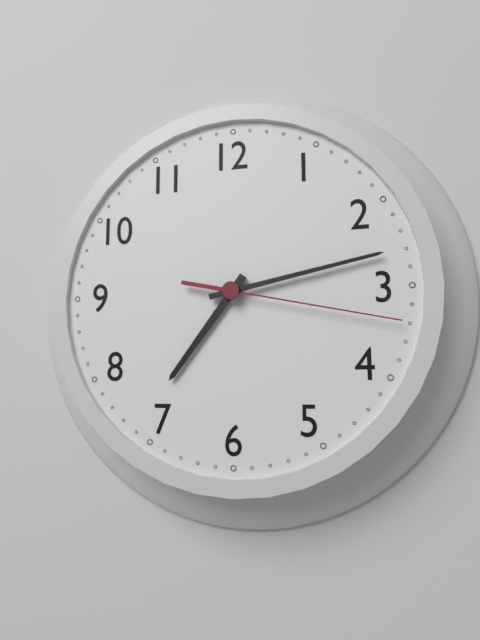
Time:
7h13m17s
